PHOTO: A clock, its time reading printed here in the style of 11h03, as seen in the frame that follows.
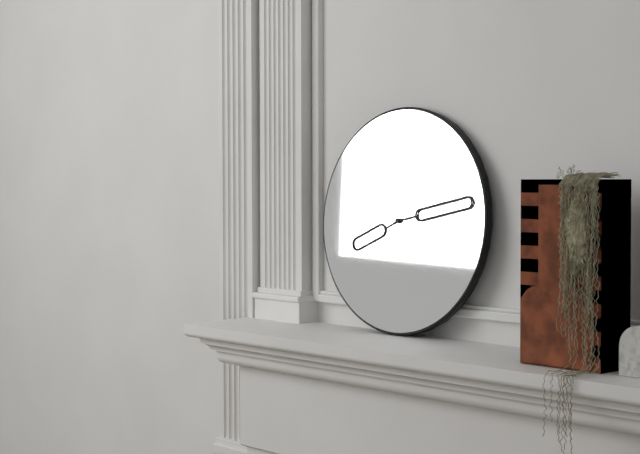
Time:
8h13
